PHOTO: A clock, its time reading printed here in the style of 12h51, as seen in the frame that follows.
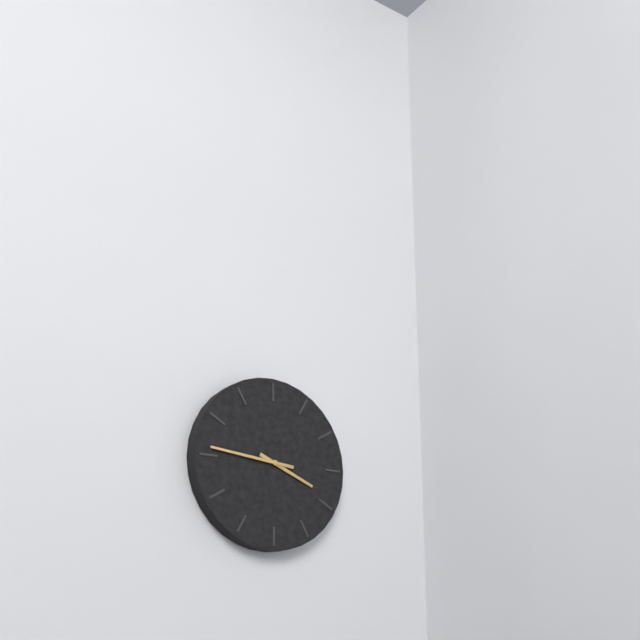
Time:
3h46
